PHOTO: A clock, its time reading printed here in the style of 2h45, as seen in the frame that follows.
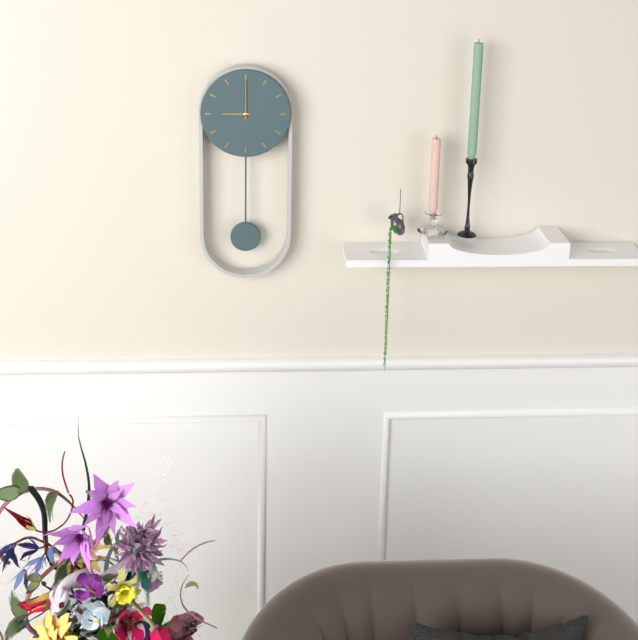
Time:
9h00
